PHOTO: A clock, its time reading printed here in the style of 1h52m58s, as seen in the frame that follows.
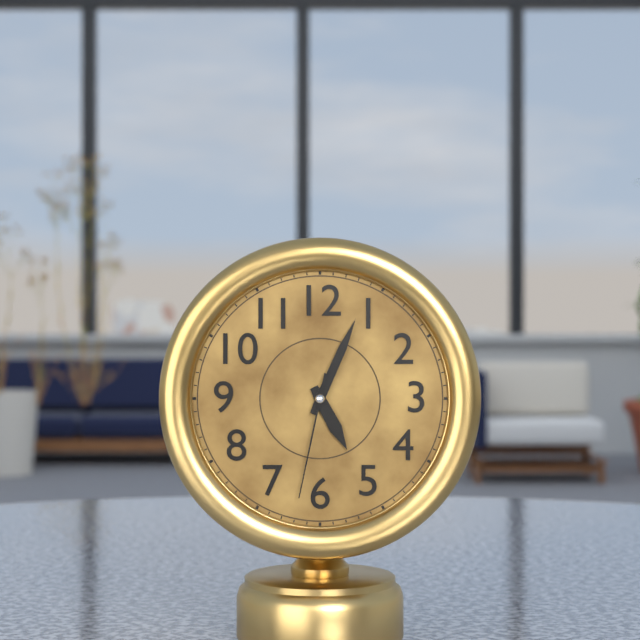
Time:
5h04m32s
